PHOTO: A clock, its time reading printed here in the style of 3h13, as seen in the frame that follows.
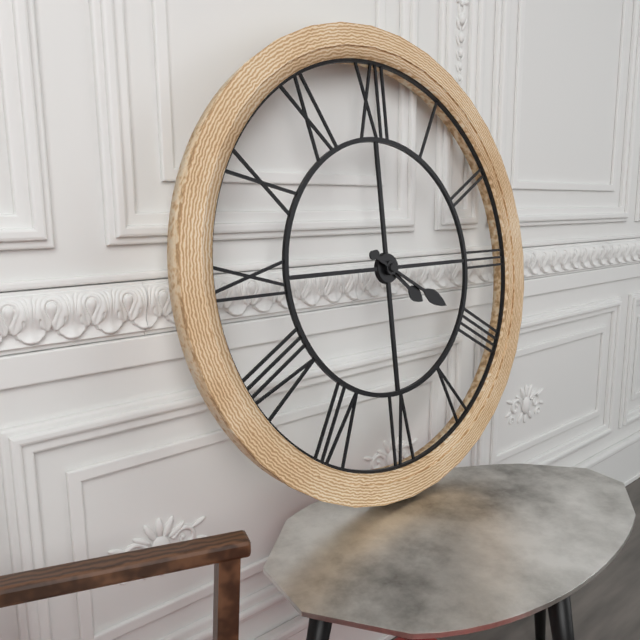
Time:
4h20
